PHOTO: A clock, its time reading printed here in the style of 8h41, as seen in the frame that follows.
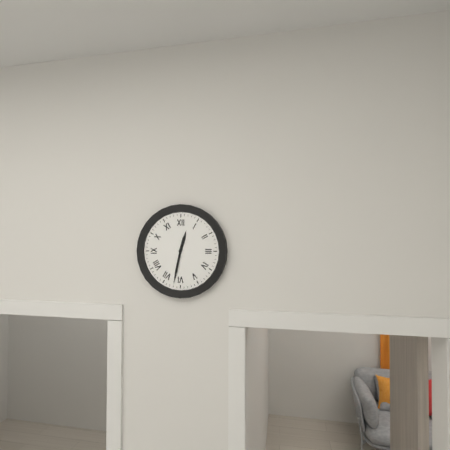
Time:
12h32
